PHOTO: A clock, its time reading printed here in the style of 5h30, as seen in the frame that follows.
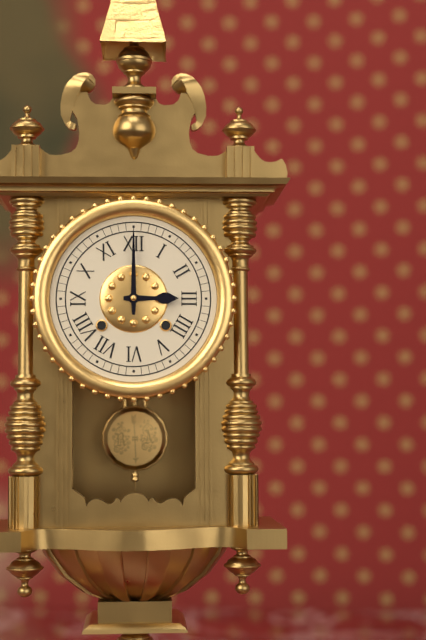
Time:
3h00
